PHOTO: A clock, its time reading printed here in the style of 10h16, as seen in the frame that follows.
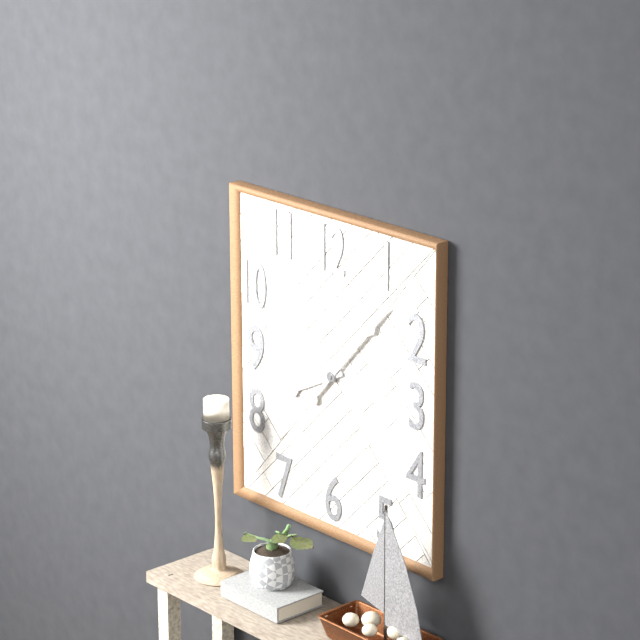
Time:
8h07
